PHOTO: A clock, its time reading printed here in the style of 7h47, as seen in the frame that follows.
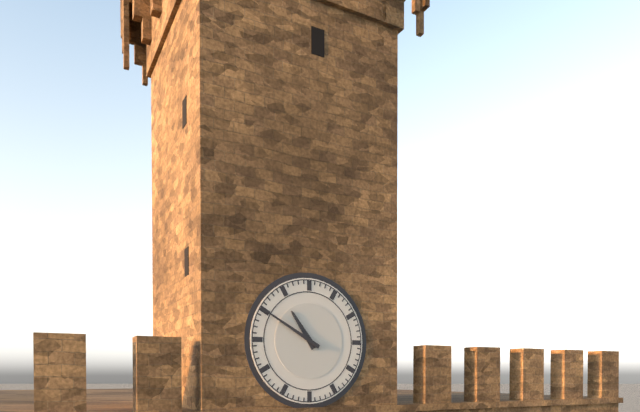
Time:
10h50
